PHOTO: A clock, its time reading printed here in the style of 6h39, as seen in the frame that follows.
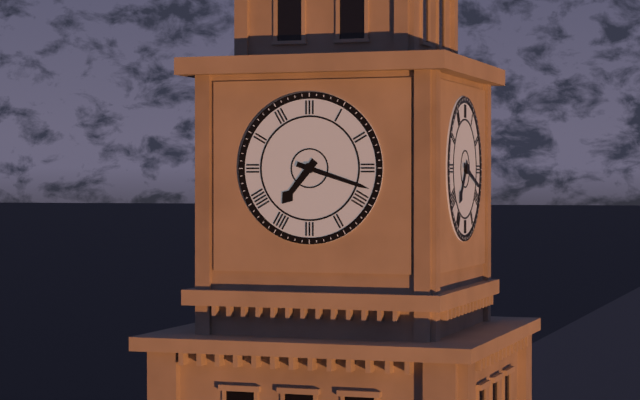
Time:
7h18
